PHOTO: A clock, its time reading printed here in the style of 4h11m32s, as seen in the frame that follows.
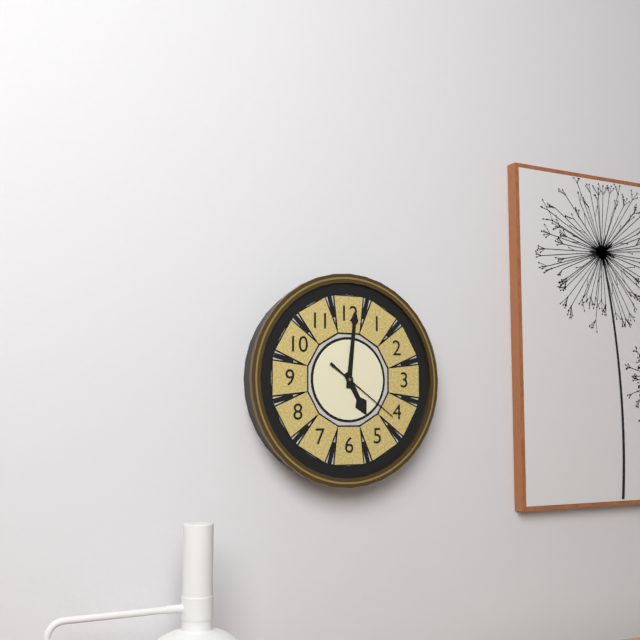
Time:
5h01m21s
